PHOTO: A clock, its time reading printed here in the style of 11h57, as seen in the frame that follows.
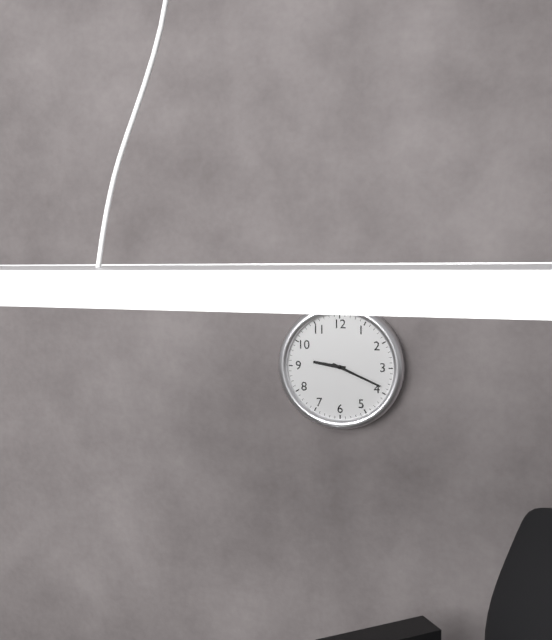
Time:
9h19
